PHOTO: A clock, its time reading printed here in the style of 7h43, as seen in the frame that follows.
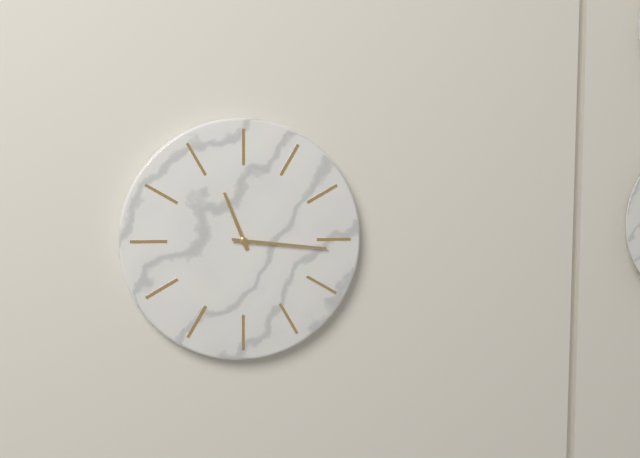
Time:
11h16
